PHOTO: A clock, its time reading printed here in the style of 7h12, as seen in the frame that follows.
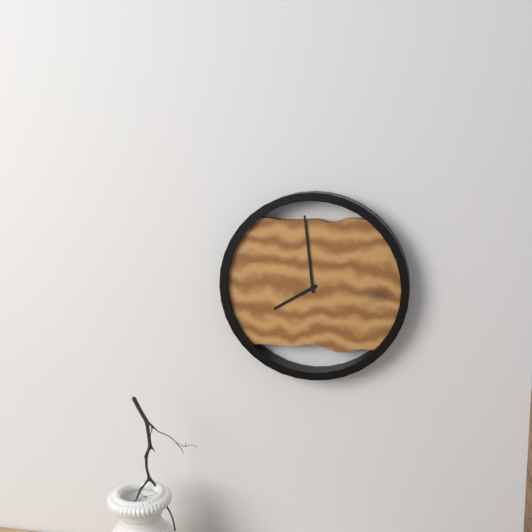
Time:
7h59
